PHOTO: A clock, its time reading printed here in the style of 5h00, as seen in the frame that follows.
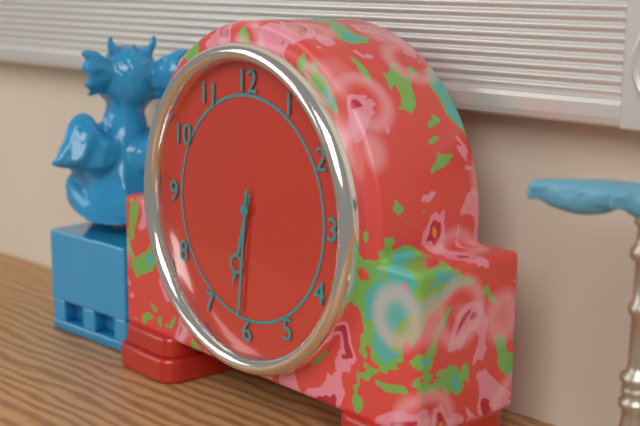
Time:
6h31
